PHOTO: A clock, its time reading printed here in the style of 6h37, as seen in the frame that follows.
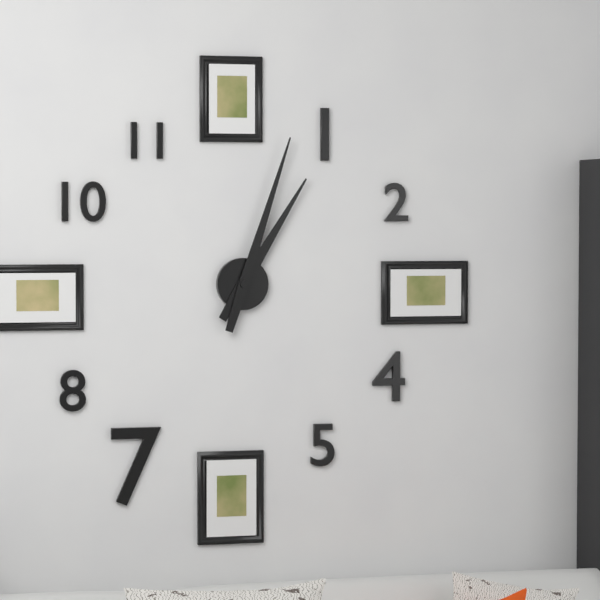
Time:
1h03
